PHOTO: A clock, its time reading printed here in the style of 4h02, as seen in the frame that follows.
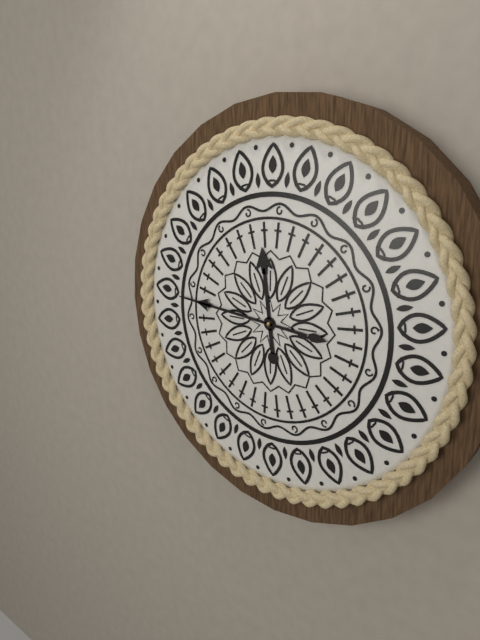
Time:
11h46
